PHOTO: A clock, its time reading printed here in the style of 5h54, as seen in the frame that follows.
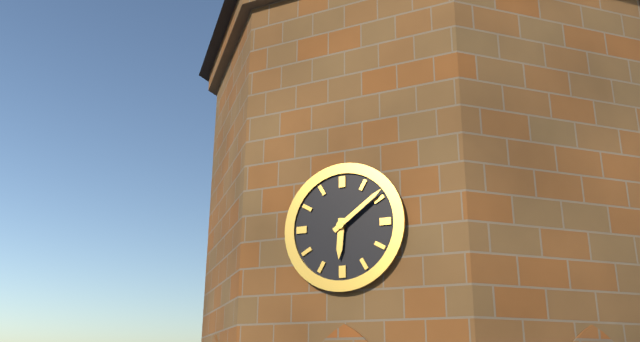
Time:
6h09
